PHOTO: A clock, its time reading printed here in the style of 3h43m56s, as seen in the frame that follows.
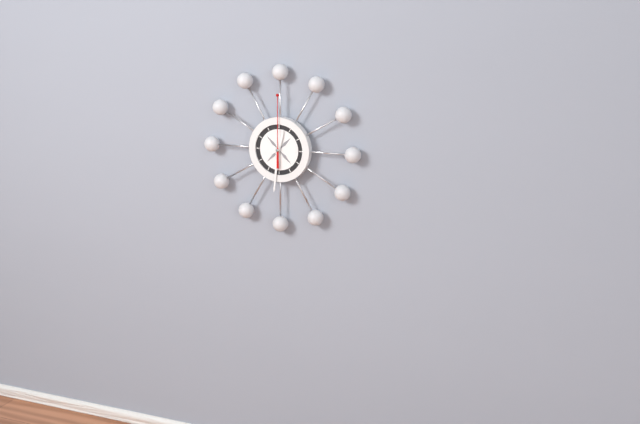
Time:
12h31m00s
